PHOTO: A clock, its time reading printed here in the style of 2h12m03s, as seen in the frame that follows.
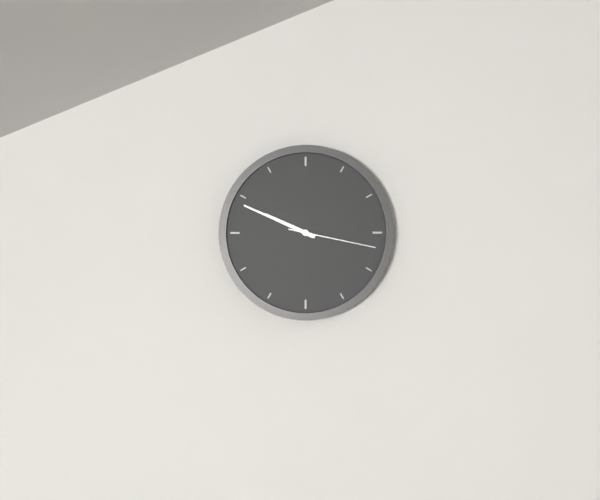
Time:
9h49m17s
